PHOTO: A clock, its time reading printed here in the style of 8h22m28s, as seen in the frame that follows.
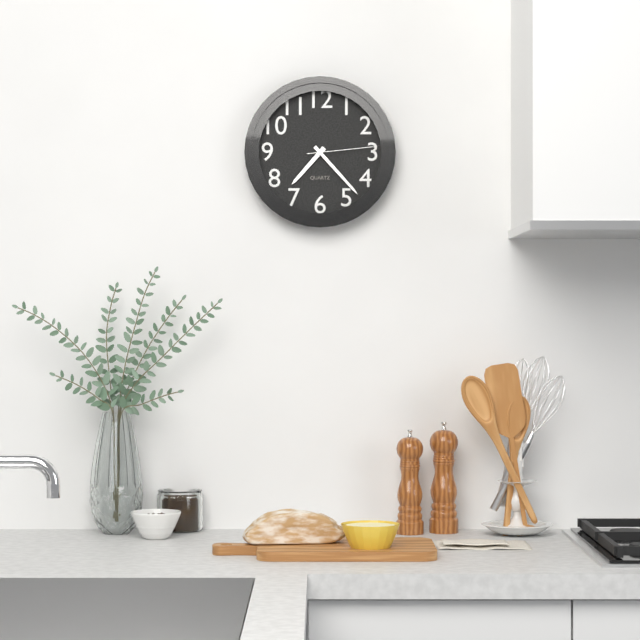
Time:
7h23m14s
